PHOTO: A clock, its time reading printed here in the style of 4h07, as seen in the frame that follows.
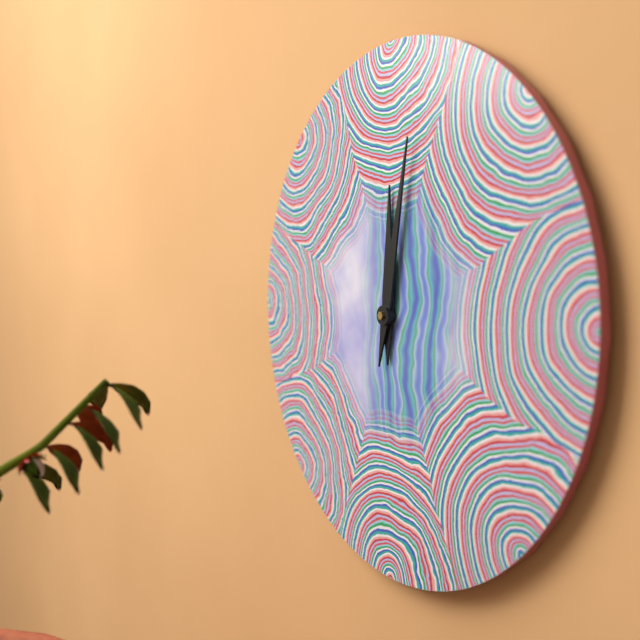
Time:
12h02
